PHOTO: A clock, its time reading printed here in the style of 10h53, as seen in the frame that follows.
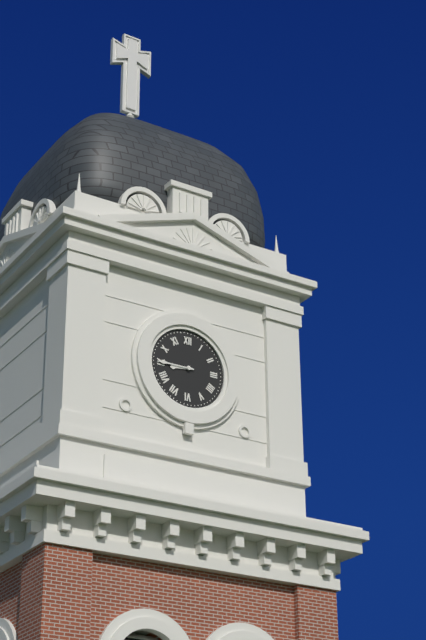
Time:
8h45
